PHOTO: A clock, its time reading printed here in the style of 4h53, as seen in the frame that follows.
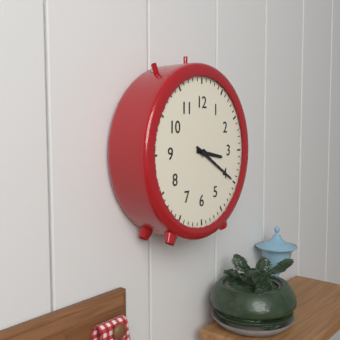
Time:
3h20
